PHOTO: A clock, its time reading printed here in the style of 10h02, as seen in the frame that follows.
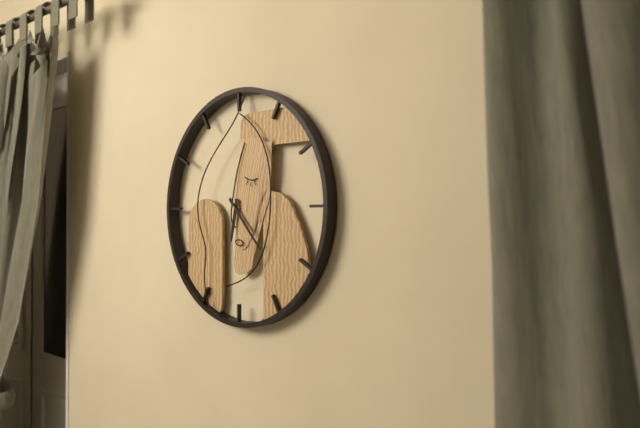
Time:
6h23
